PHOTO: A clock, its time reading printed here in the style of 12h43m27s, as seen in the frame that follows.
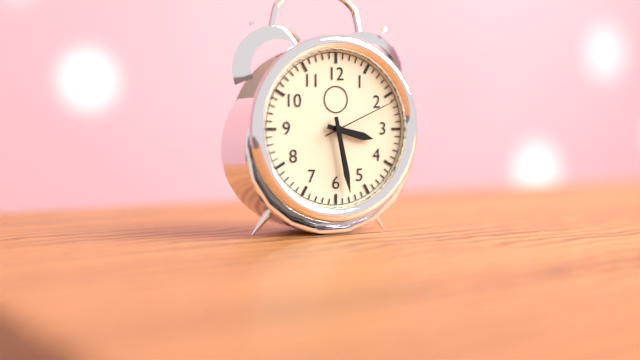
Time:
3h28m11s
